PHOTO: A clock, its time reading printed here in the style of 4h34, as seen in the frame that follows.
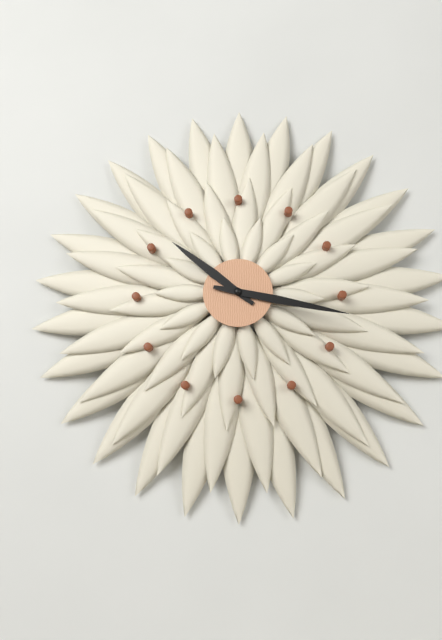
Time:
10h17
